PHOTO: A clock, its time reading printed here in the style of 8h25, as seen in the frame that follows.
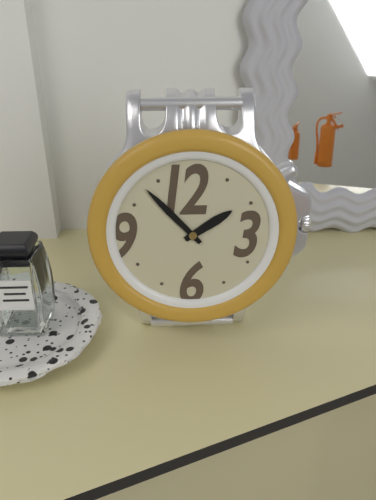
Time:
1h53
